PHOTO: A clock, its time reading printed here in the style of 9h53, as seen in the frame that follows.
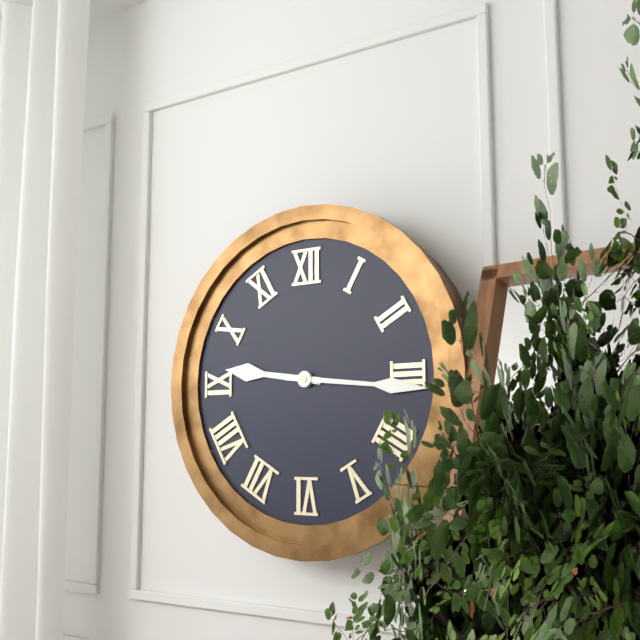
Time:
9h16
